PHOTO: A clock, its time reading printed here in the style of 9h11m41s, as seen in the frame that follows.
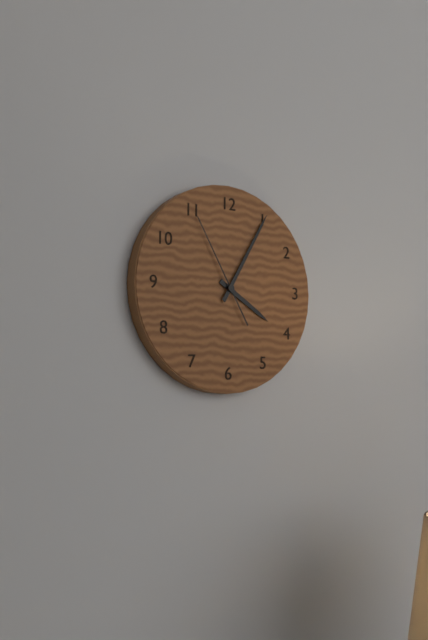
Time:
4h05m55s
